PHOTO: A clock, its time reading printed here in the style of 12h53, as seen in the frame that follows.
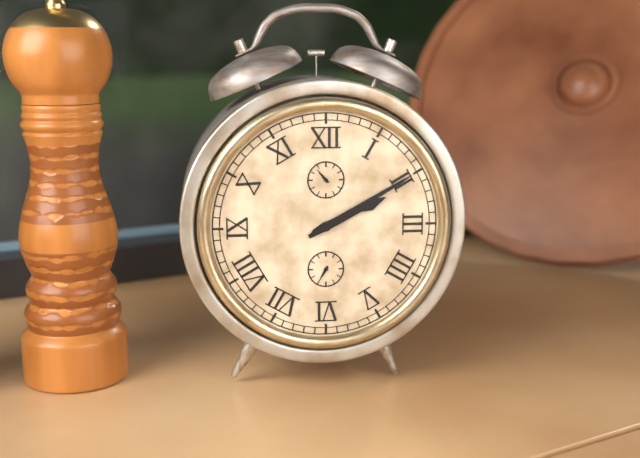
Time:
2h10
